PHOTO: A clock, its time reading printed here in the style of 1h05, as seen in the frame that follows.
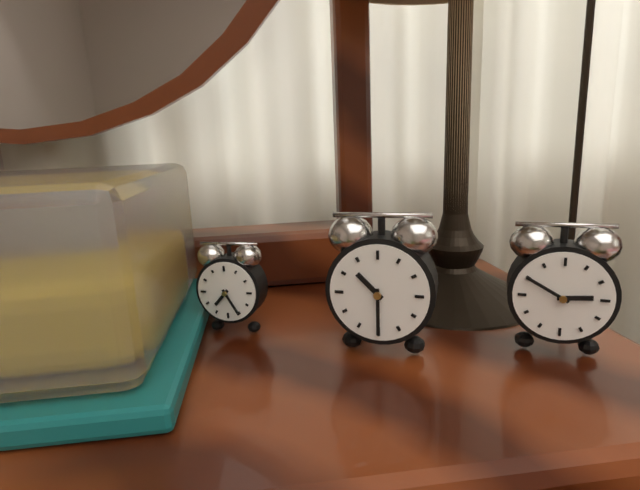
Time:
10h30
